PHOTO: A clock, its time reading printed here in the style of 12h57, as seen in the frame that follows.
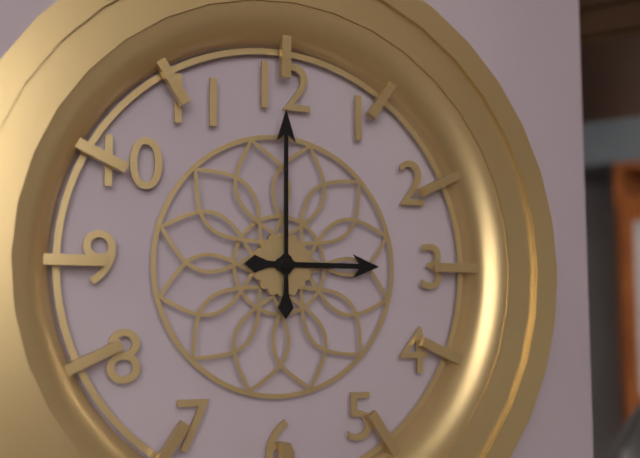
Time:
3h00
